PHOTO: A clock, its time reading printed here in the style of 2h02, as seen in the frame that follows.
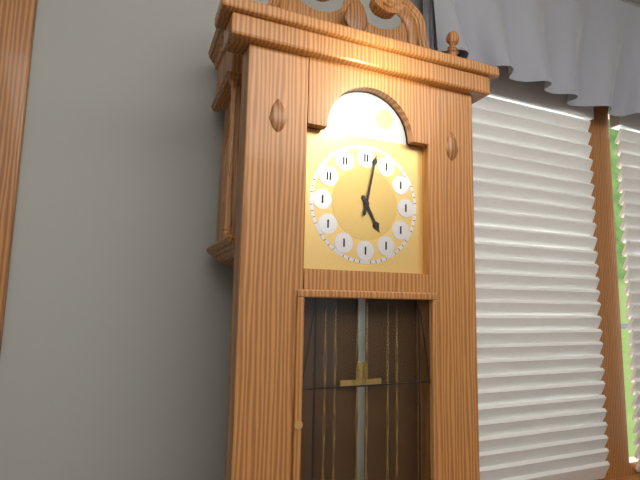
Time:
5h02
